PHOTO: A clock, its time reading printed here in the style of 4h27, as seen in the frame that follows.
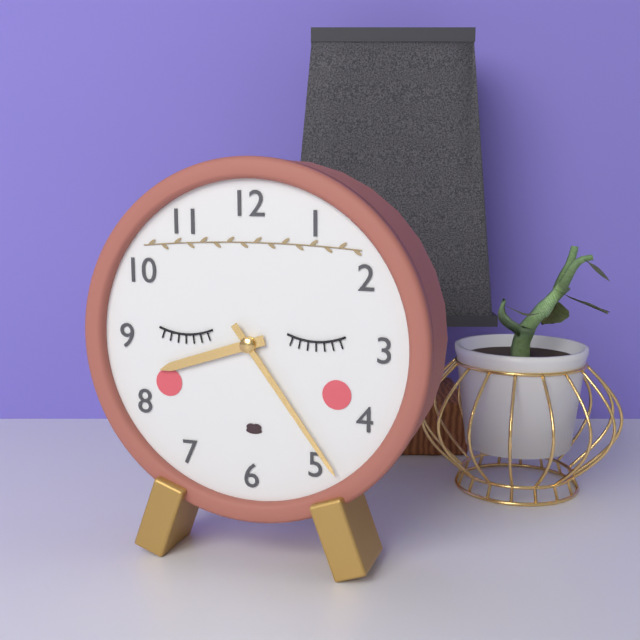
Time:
8h24
